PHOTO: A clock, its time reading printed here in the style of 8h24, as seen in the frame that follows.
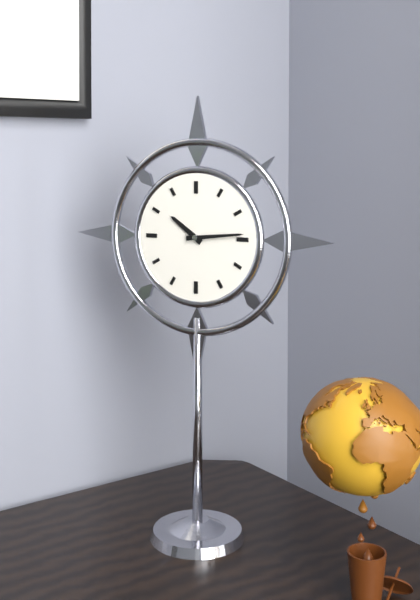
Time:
10h14
